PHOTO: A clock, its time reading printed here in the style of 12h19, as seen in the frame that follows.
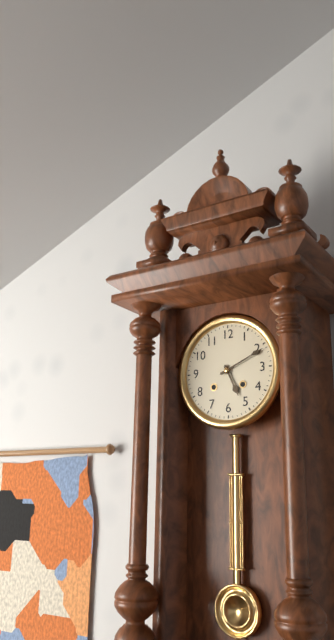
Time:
5h11
